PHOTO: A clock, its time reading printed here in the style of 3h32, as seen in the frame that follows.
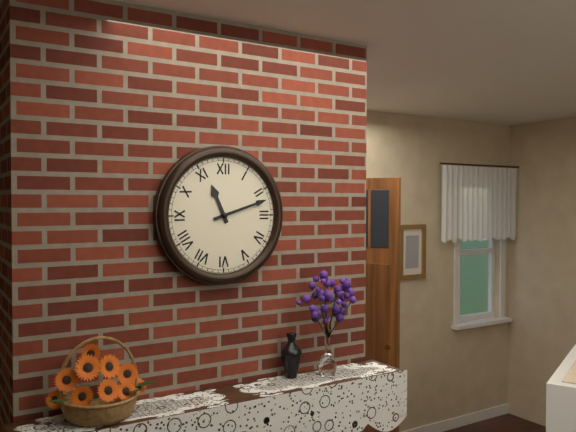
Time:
11h12
